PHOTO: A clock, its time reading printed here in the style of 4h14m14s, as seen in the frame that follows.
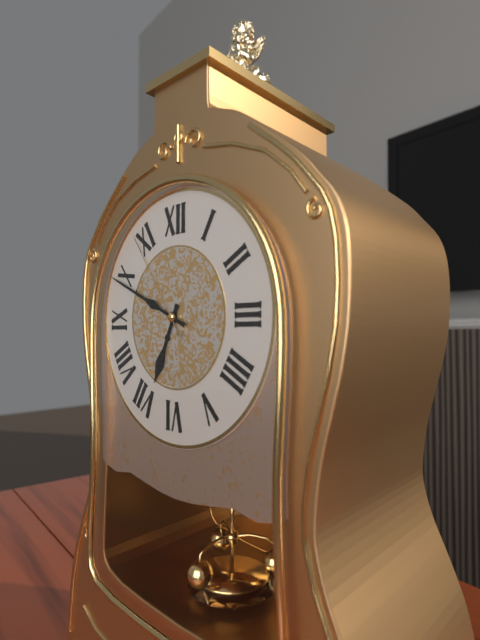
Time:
6h49m54s
